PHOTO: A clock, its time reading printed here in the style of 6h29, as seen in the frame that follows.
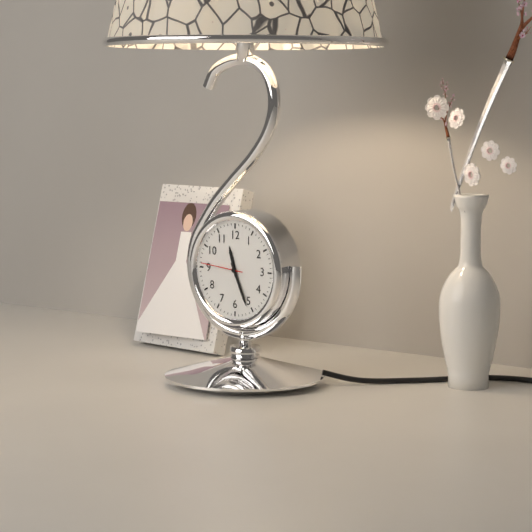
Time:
11h26
